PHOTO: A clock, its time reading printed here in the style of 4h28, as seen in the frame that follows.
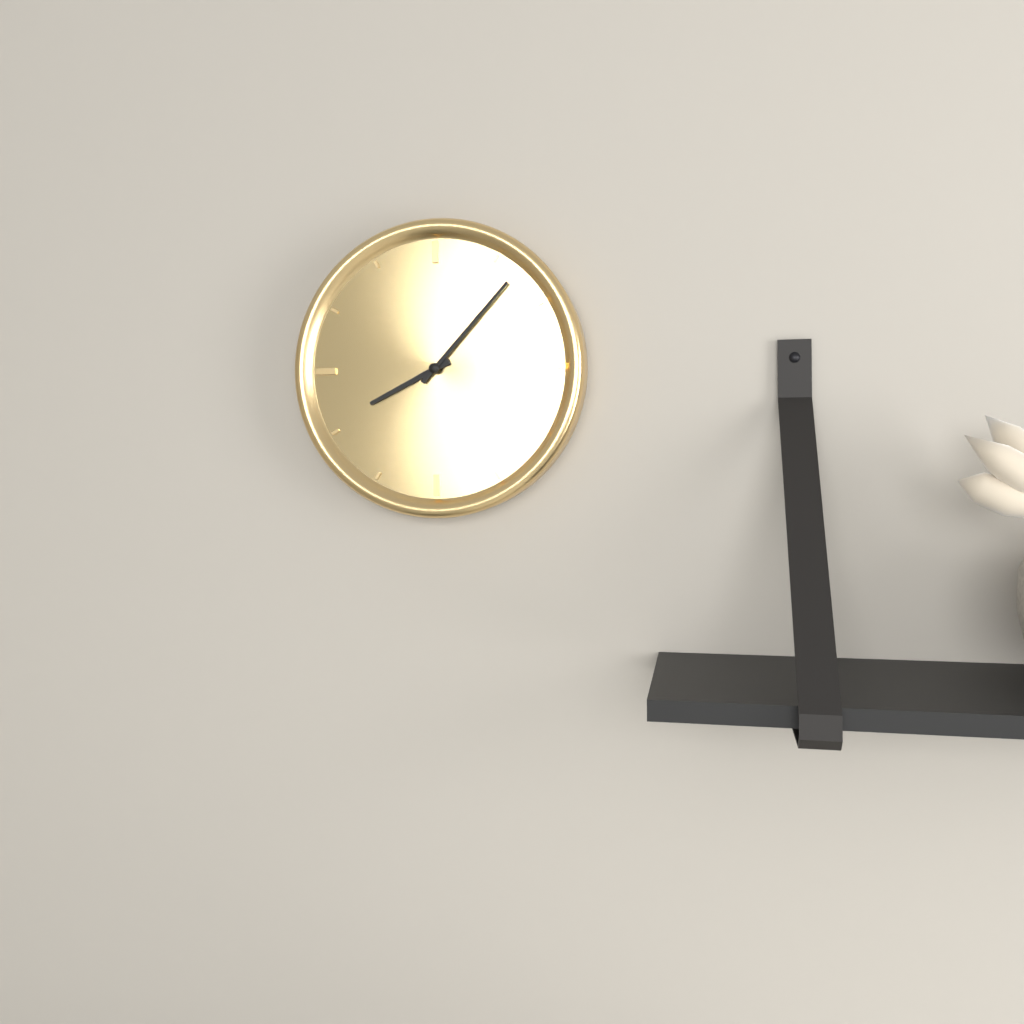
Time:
8h07
